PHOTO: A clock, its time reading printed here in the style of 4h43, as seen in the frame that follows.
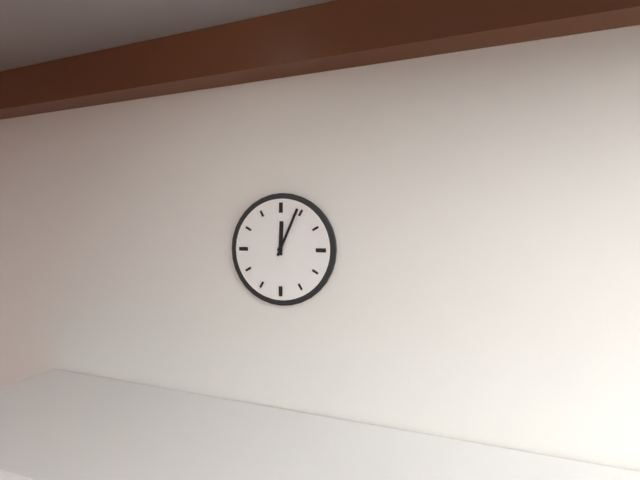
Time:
12h04
